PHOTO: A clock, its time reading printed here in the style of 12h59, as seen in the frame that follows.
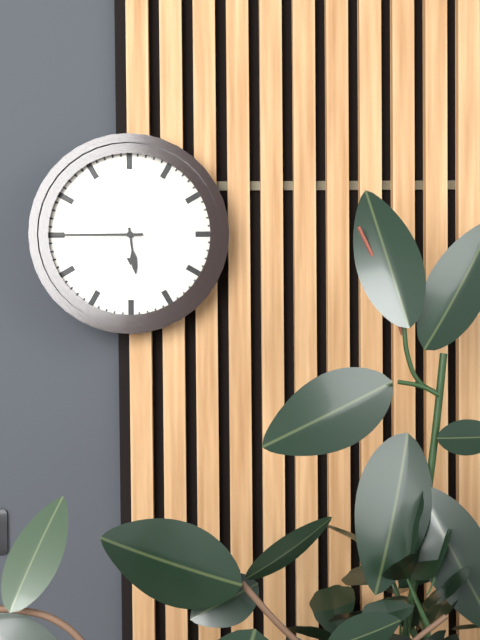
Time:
5h45
